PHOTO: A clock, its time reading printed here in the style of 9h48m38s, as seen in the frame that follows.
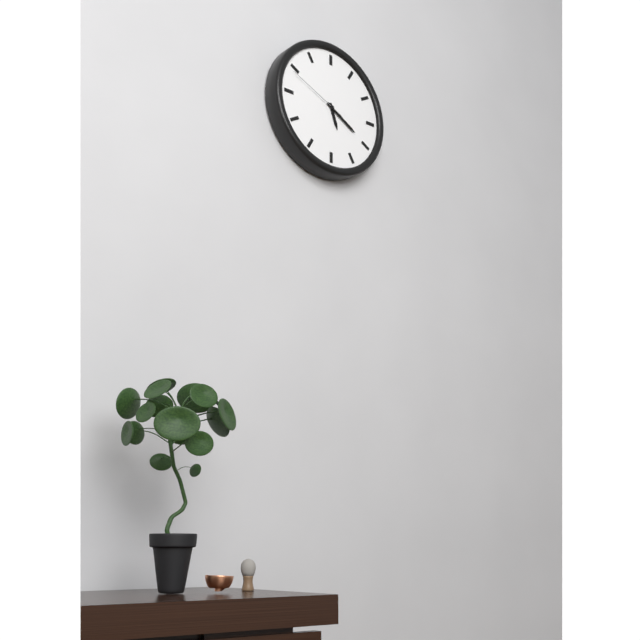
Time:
5h20m49s
